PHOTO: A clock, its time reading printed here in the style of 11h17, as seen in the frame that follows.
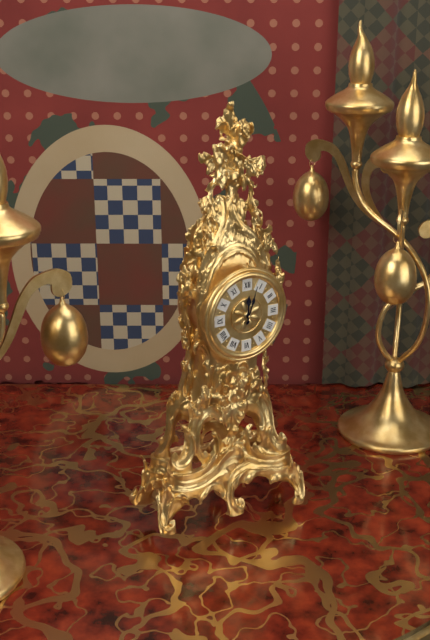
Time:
12h03
